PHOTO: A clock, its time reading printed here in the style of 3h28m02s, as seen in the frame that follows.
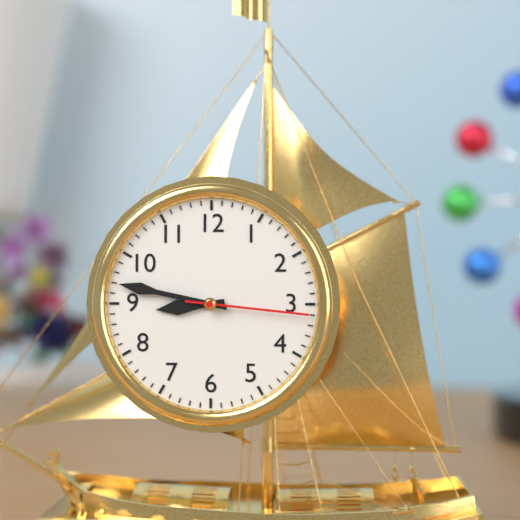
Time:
8h47m16s
